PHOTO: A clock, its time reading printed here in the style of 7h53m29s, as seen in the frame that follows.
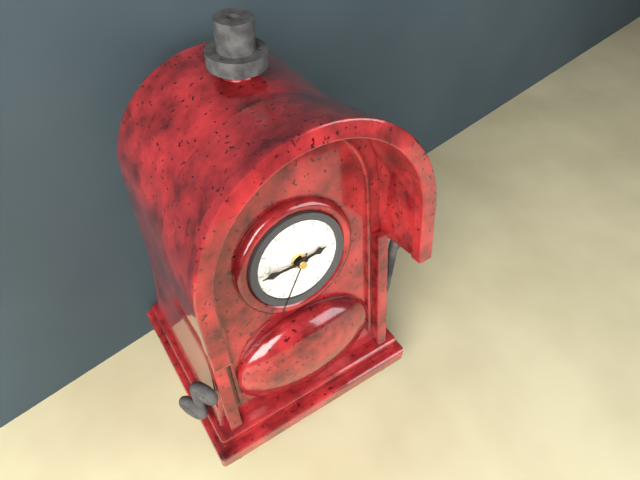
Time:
2h45m35s
